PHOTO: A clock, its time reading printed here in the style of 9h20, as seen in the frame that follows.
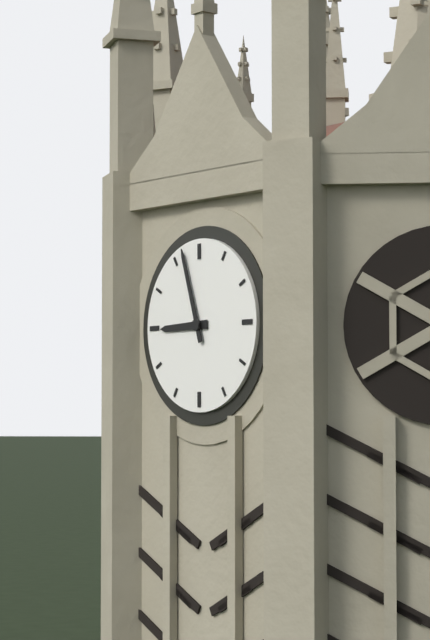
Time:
8h57
